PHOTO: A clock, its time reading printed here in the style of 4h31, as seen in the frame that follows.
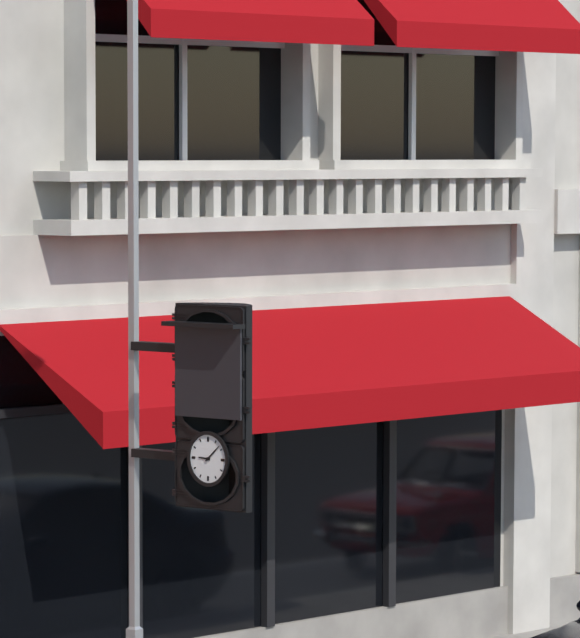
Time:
9h08
